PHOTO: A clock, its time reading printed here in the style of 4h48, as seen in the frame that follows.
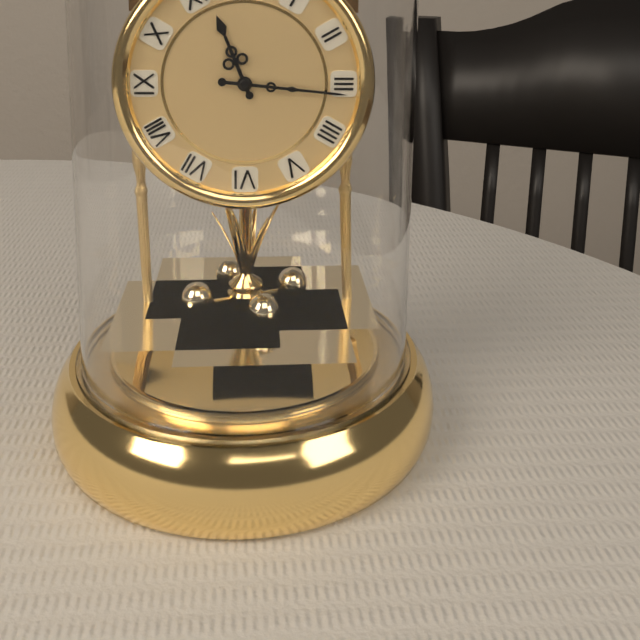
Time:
11h16
